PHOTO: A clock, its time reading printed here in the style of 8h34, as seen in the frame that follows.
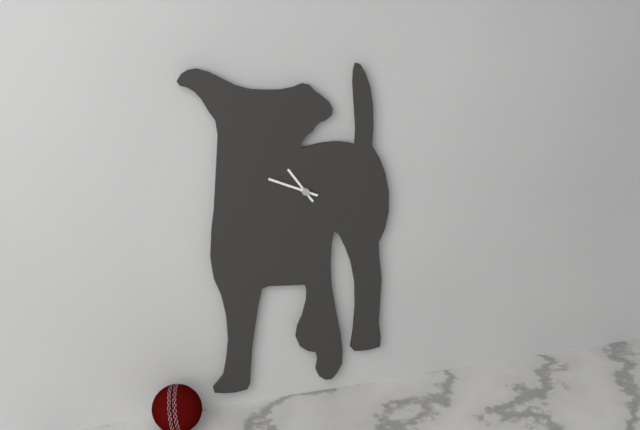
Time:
10h49
